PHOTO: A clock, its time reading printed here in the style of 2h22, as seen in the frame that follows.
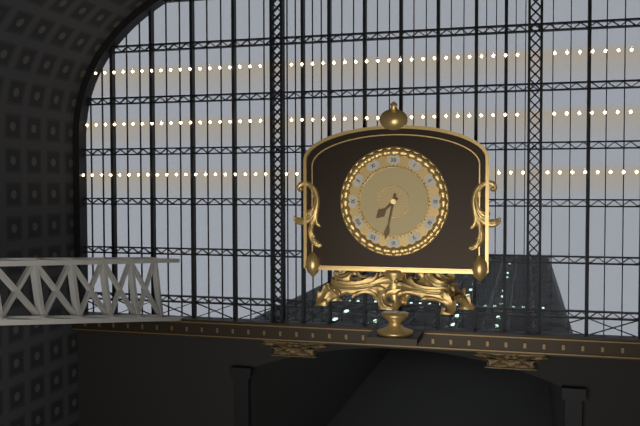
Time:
7h32
